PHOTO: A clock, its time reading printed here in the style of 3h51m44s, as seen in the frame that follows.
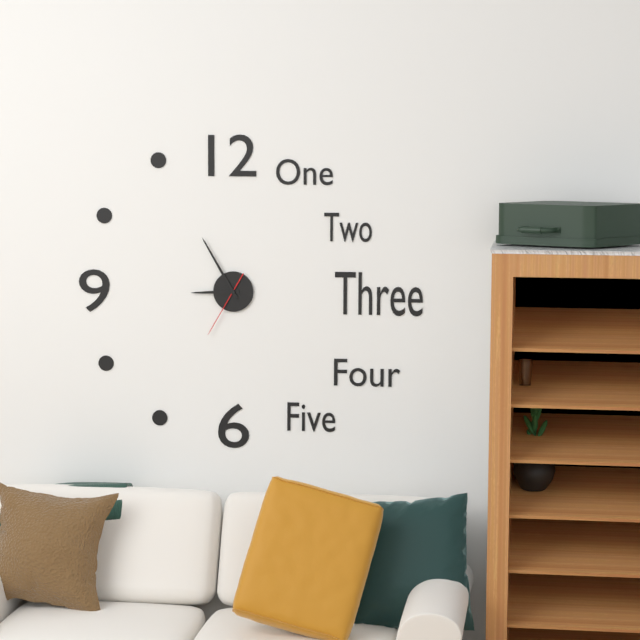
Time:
8h55m35s
